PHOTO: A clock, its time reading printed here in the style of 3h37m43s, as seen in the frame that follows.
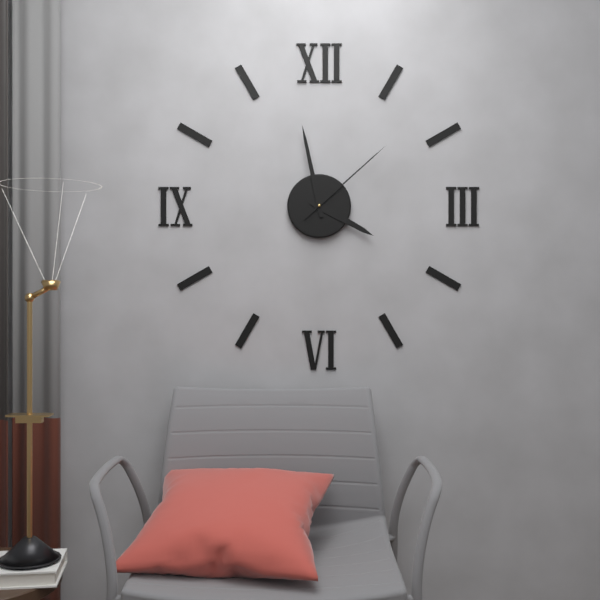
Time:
3h58m08s
